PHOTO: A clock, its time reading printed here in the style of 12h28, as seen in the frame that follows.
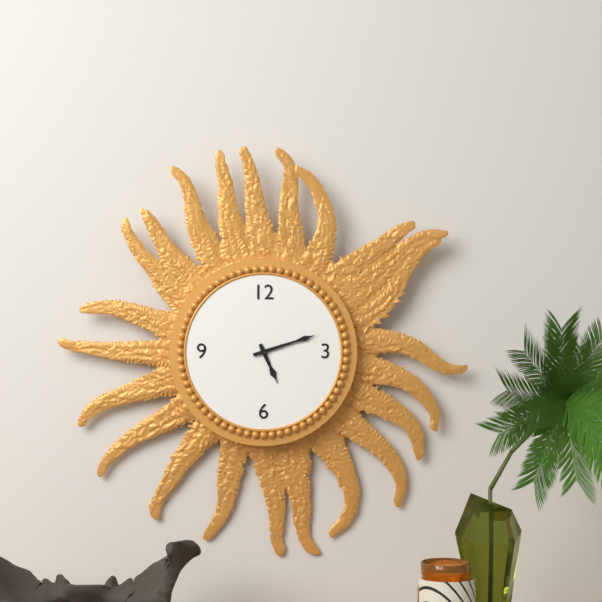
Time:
5h12
